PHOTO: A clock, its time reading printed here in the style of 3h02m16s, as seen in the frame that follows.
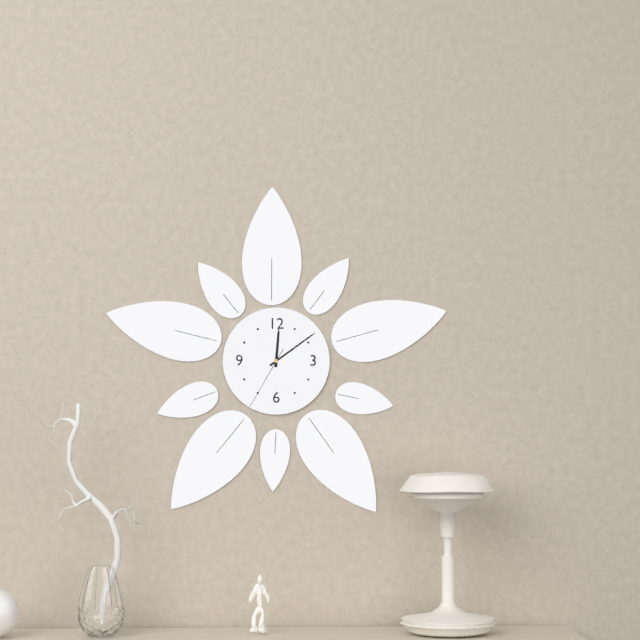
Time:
12h09m35s
